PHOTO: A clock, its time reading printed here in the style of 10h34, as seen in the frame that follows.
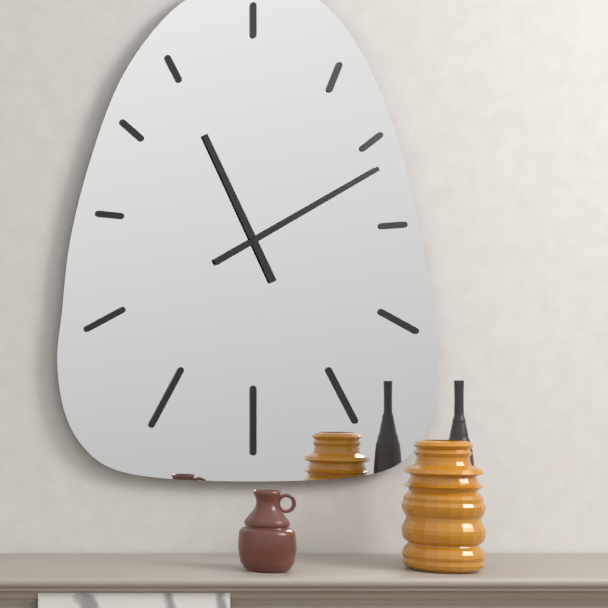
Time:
11h10
